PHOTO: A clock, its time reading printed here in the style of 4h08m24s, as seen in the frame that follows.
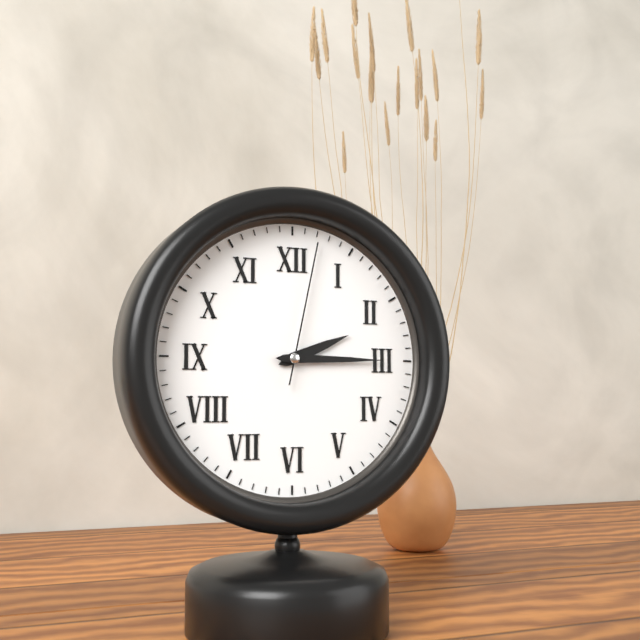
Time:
2h15m02s
